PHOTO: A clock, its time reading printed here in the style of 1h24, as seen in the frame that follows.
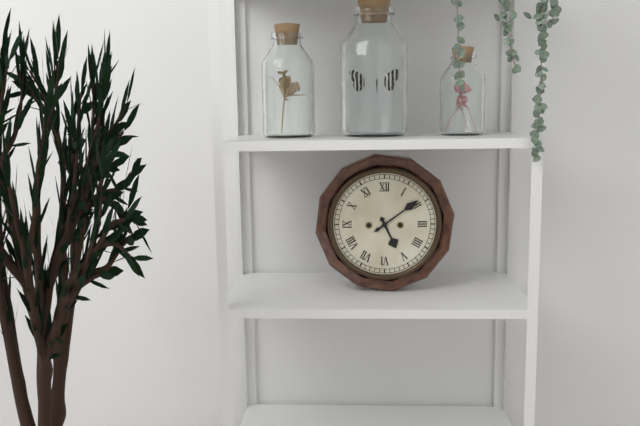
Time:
5h09
